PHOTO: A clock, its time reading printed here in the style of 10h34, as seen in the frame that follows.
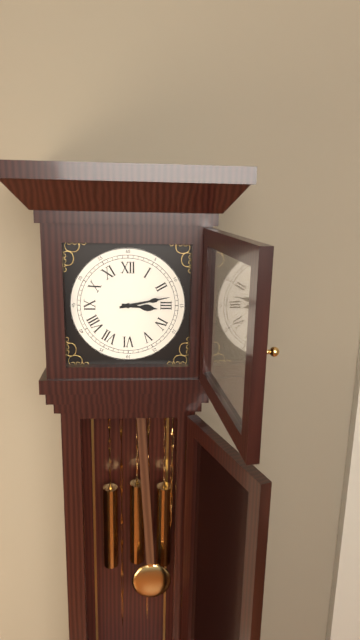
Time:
3h13
